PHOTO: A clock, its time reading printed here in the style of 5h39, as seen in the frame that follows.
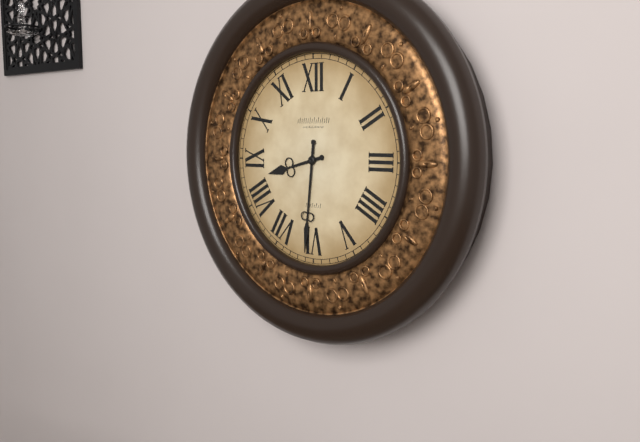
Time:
8h31
